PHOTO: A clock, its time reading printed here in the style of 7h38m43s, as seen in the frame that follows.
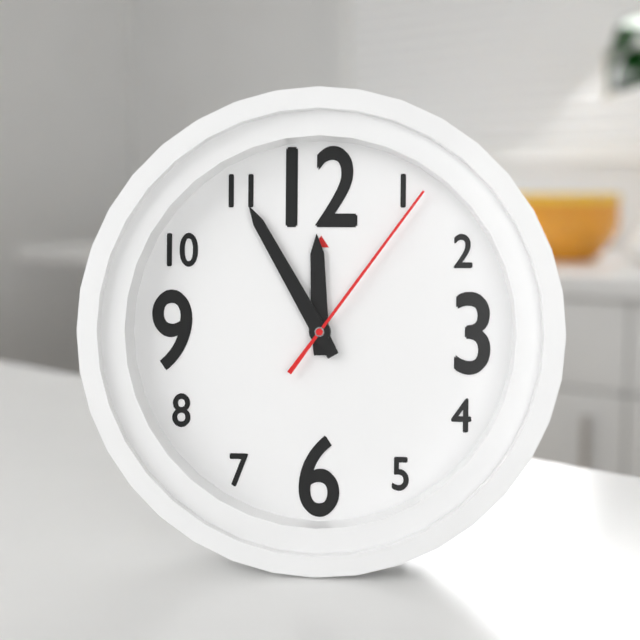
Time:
11h55m06s
